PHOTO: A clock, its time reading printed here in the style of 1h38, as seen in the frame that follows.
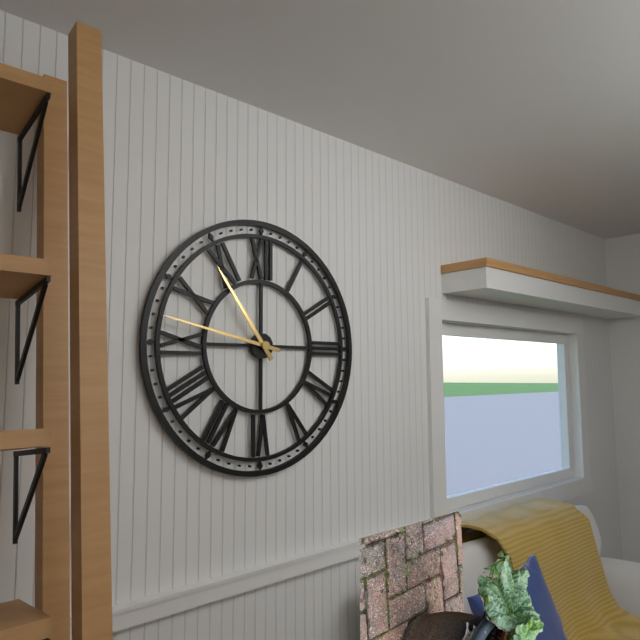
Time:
10h47
